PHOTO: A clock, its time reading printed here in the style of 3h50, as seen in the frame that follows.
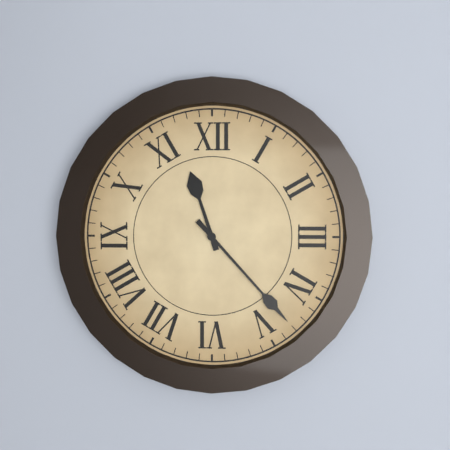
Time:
11h23
